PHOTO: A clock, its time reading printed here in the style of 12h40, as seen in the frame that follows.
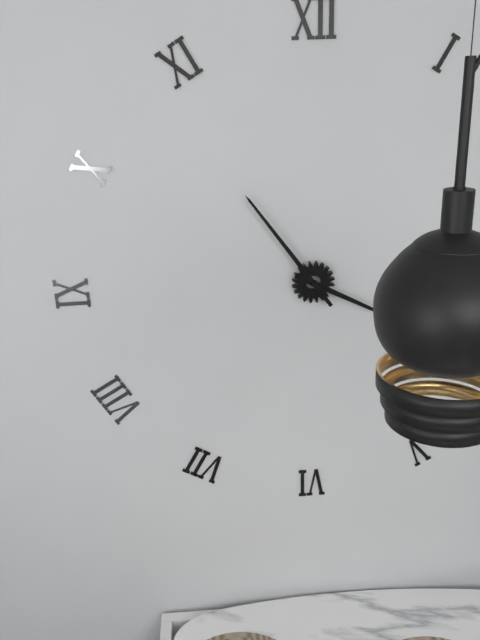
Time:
3h54
